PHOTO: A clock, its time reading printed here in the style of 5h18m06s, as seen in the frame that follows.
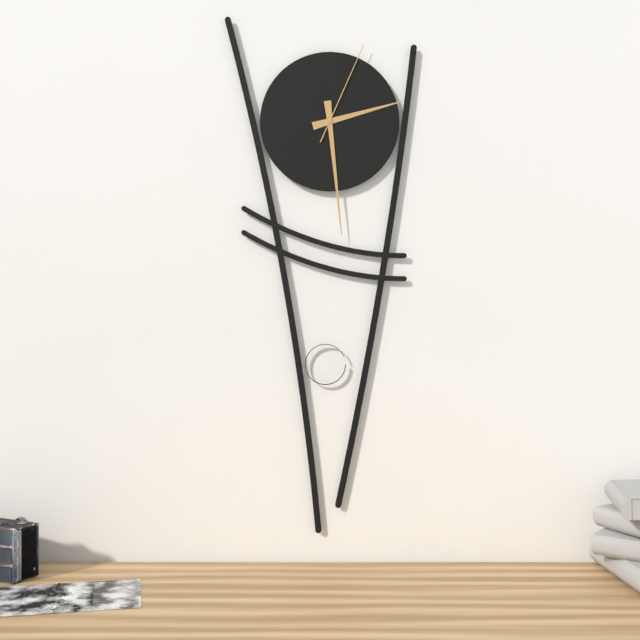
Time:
2h29m04s
